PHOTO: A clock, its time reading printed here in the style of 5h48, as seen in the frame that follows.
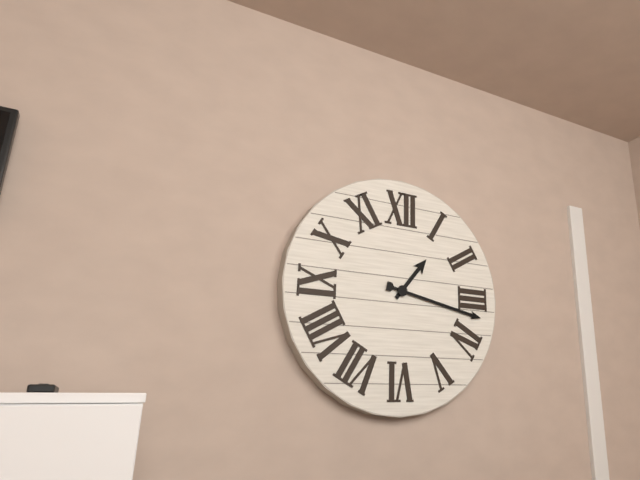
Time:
1h17
